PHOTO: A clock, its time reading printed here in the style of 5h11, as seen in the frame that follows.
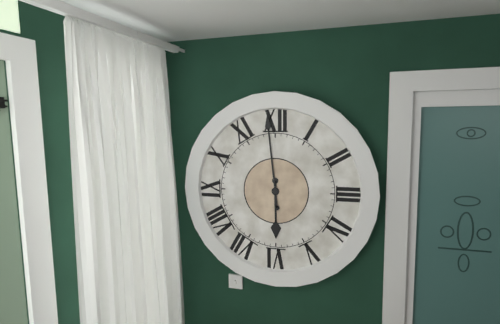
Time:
5h59
